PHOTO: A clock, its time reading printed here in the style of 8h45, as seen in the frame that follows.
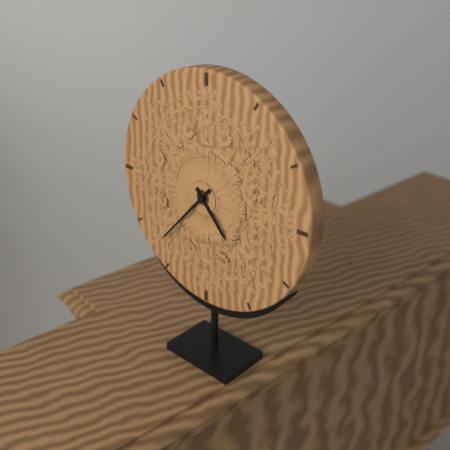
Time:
4h37
